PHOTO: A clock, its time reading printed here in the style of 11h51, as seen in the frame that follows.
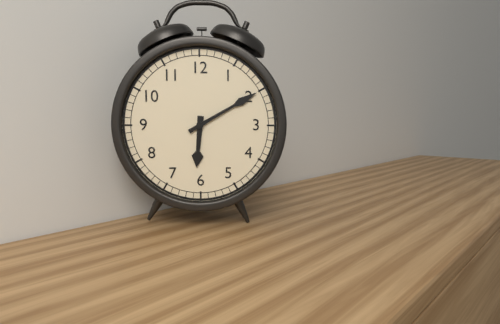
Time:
6h10
